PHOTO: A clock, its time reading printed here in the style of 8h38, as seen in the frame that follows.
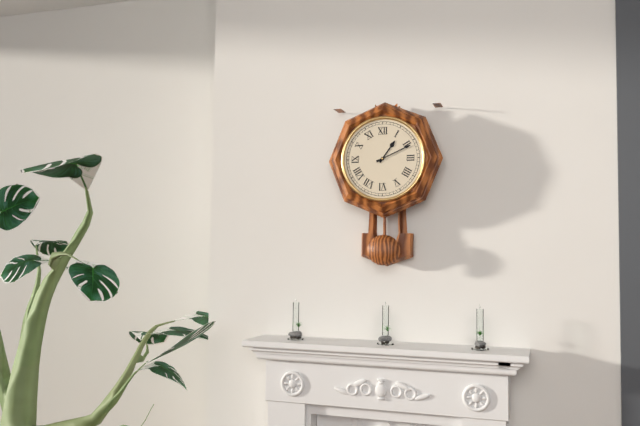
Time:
1h11
